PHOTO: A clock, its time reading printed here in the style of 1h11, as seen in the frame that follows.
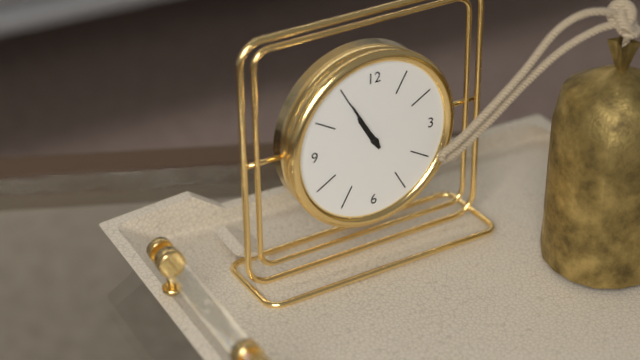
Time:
10h55
